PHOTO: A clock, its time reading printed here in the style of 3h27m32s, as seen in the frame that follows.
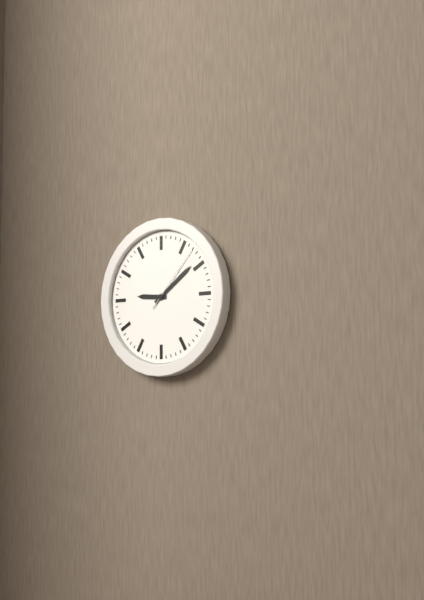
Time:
9h09m07s
